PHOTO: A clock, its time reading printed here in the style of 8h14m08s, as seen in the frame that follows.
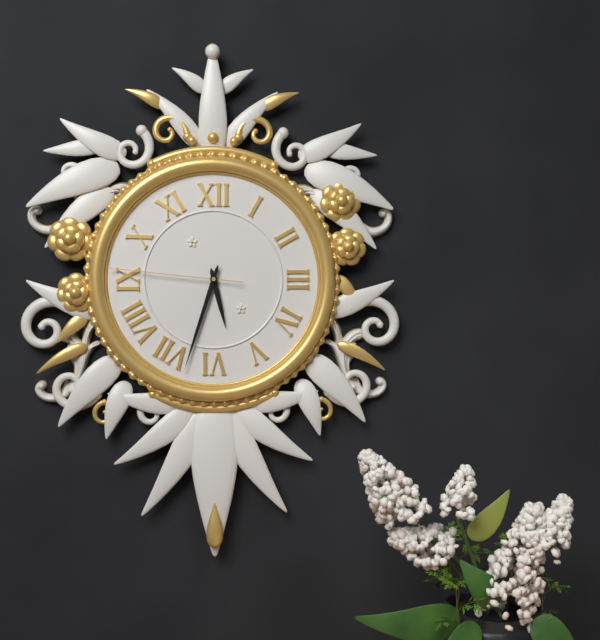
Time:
5h33m46s
